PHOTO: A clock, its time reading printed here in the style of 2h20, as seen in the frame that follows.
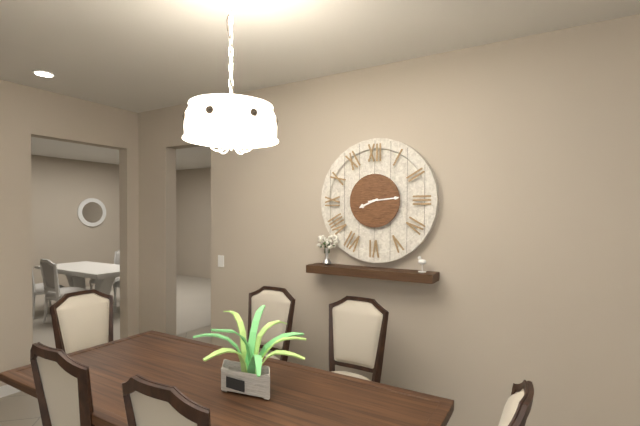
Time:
8h14
